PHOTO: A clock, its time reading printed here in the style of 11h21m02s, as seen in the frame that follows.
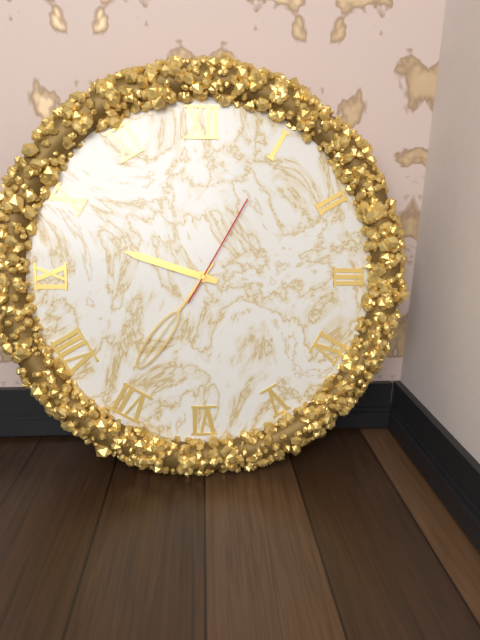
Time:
9h36m05s
